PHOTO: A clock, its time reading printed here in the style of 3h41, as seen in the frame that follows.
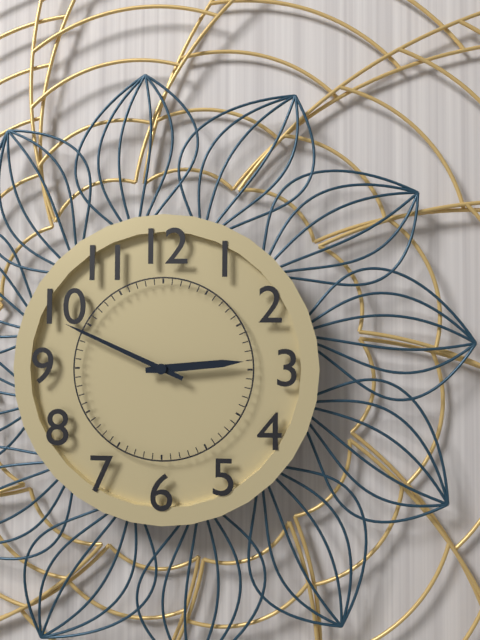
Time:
2h49
